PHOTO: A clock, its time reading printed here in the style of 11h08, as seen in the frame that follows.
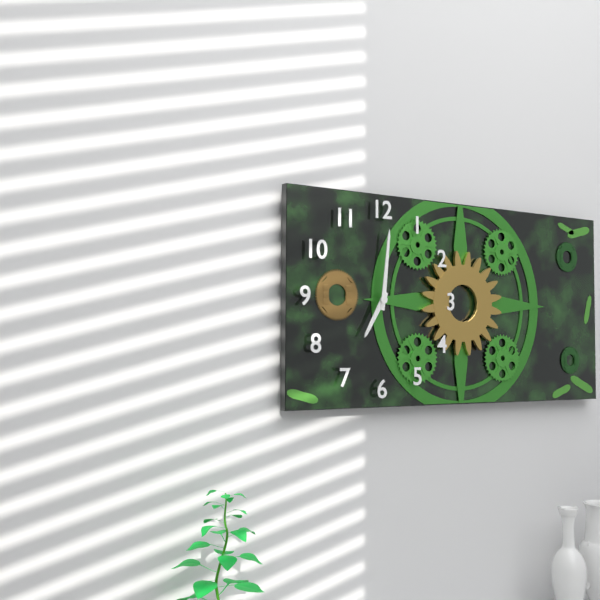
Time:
7h01
